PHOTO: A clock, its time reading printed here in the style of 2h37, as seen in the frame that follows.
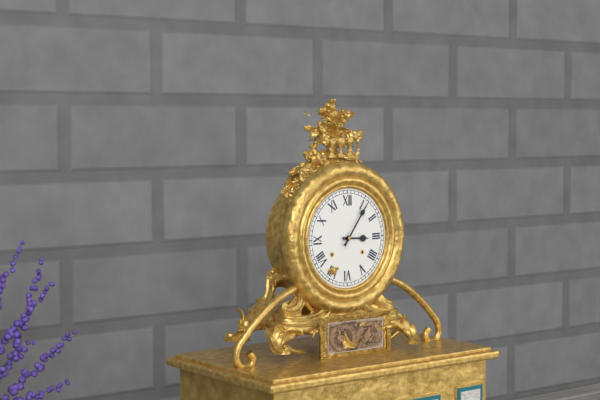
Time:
3h06
